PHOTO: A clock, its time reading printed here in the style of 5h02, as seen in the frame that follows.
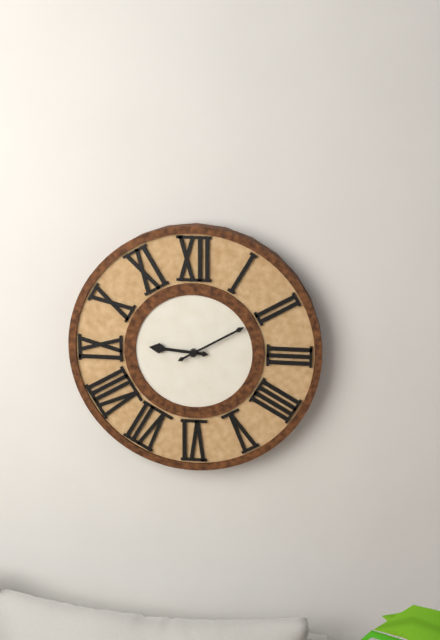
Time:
9h10
